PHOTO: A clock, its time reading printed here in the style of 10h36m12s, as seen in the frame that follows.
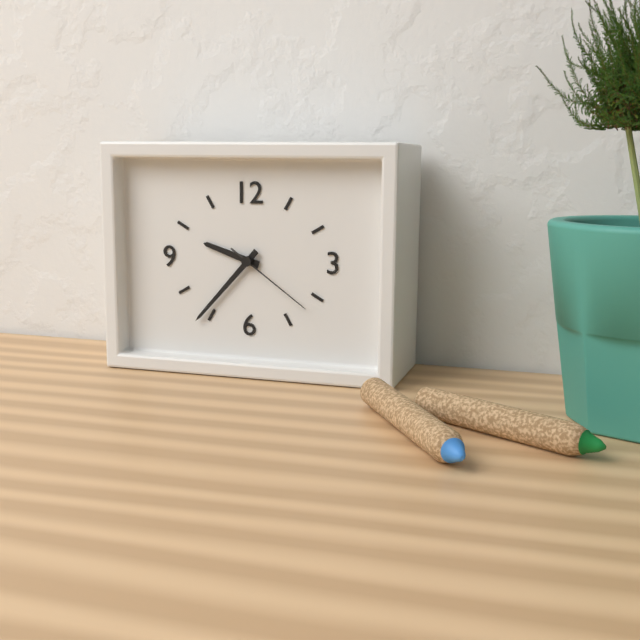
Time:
9h37m21s
